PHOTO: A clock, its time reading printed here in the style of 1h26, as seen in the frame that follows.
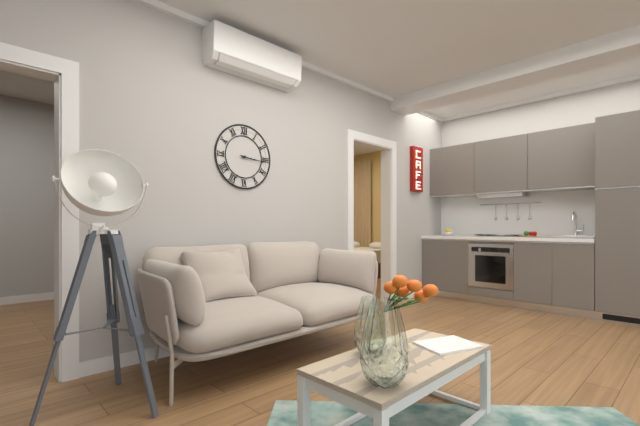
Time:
3h16
